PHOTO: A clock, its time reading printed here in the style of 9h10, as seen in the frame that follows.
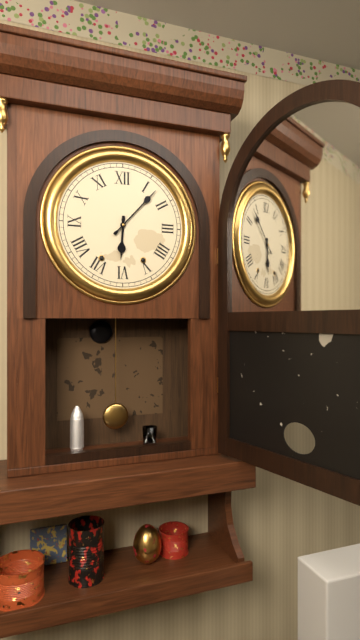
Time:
6h07
